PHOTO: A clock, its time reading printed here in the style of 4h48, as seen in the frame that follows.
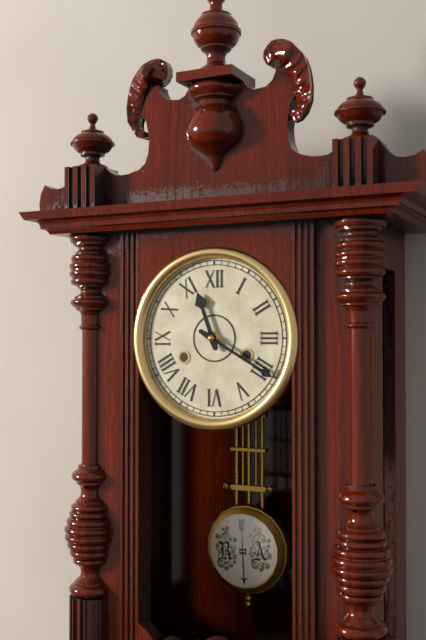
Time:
11h20
